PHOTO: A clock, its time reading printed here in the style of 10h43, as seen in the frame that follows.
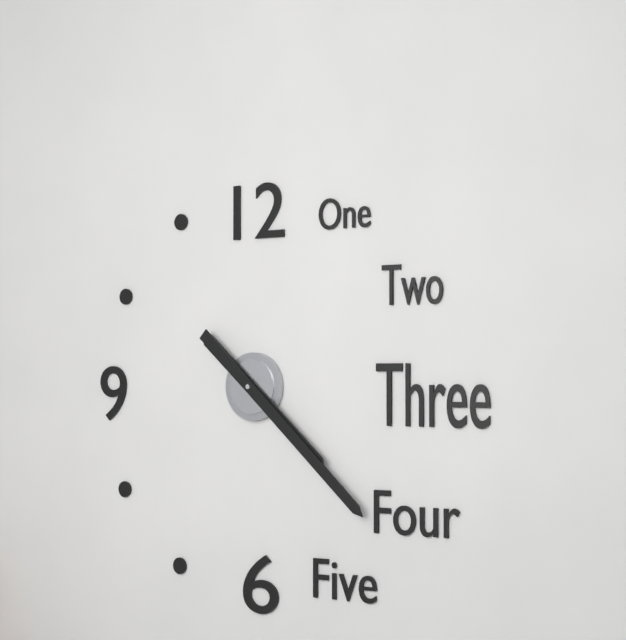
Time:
4h22
